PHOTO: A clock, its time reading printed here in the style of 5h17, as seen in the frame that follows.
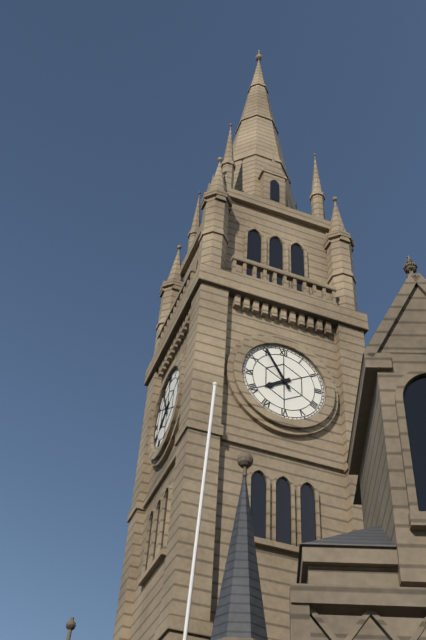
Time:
7h55
